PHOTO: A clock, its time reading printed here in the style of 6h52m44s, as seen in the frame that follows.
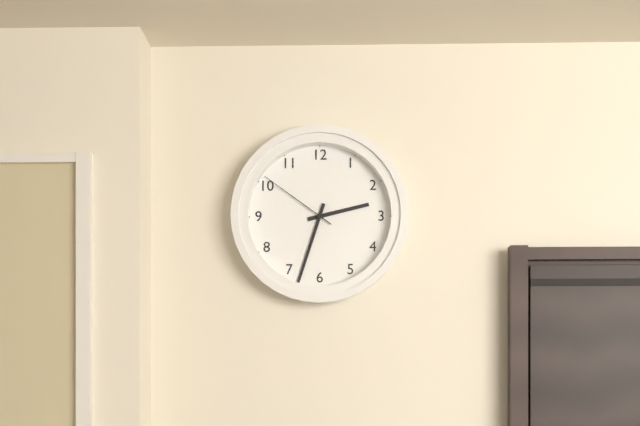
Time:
2h33m51s
